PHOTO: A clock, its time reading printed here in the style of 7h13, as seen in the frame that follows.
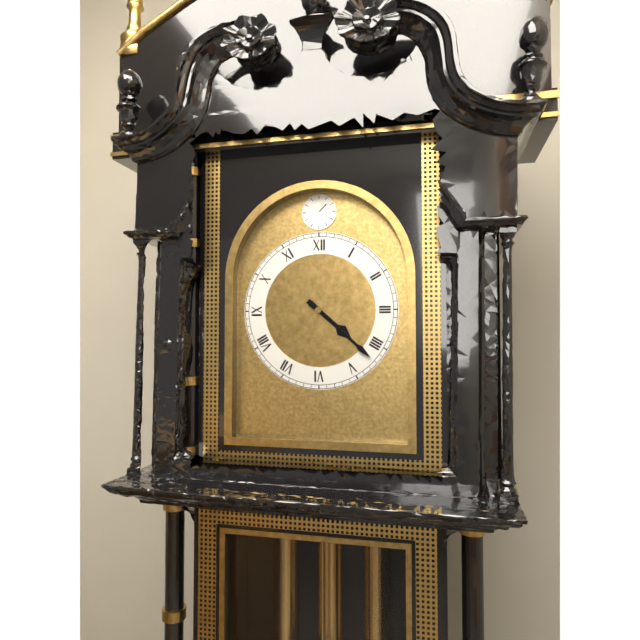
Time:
4h22
